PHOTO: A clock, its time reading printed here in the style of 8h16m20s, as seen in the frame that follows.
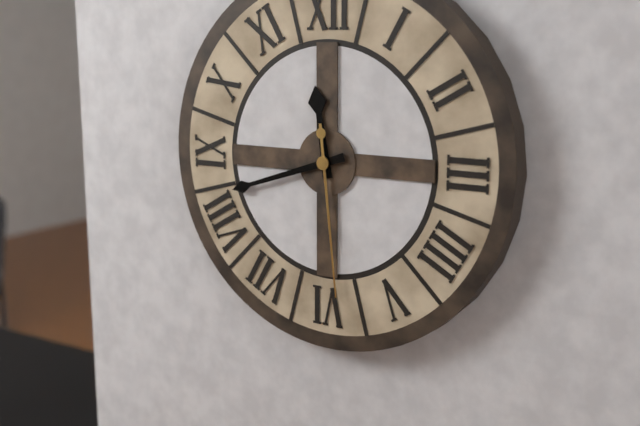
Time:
11h42m29s
